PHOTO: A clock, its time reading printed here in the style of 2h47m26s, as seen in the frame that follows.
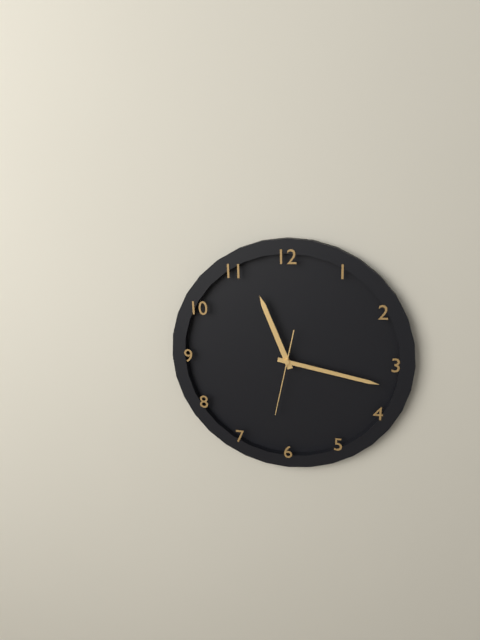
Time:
11h17m32s
